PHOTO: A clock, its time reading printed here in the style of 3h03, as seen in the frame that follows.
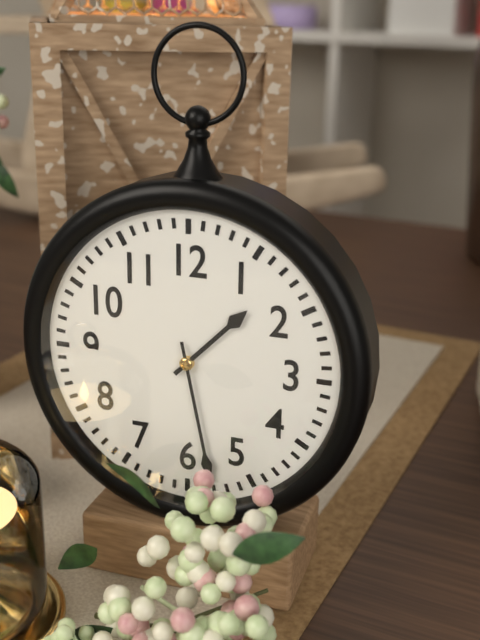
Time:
1h28
